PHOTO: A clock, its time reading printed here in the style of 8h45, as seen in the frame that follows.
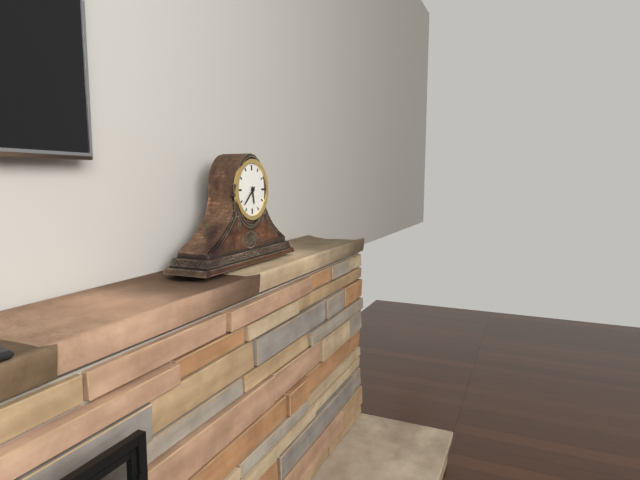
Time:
5h38
